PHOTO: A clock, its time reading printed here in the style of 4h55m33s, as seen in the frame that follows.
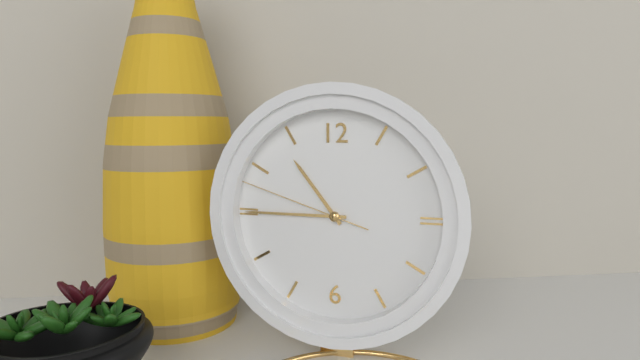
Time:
10h45m48s
